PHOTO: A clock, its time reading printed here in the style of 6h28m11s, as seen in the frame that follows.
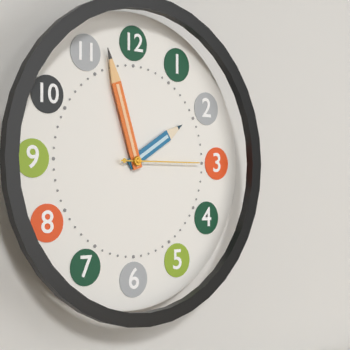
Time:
1h57m15s
